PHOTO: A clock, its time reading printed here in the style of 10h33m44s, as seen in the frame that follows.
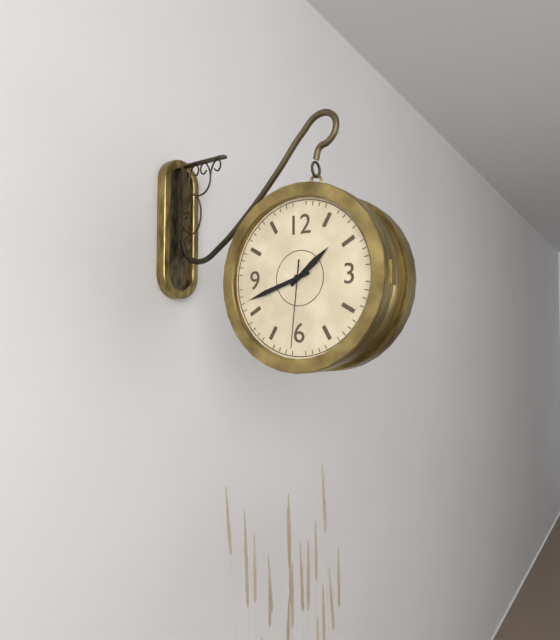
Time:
1h42m31s
